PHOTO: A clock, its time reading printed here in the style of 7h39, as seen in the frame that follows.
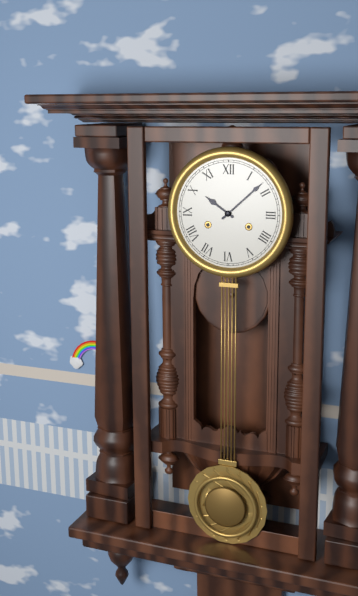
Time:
10h08
